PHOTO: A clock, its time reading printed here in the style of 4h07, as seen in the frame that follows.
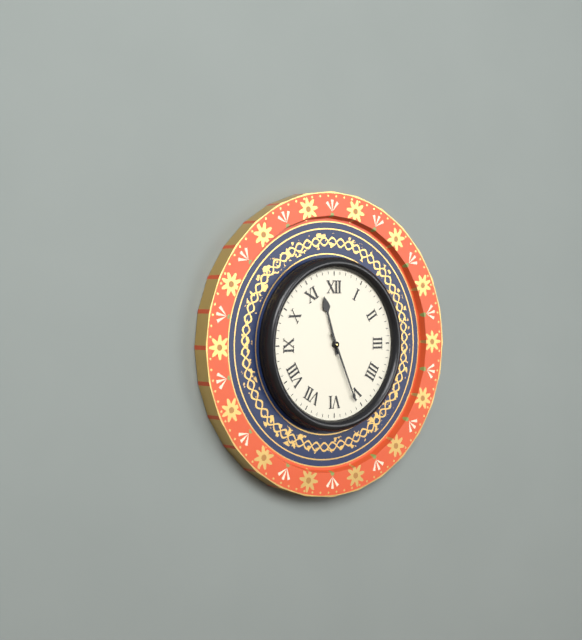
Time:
11h26
